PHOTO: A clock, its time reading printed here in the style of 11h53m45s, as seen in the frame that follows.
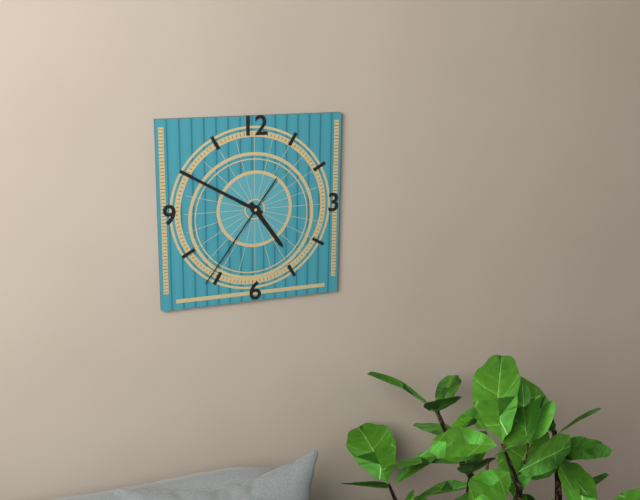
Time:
4h50m36s
